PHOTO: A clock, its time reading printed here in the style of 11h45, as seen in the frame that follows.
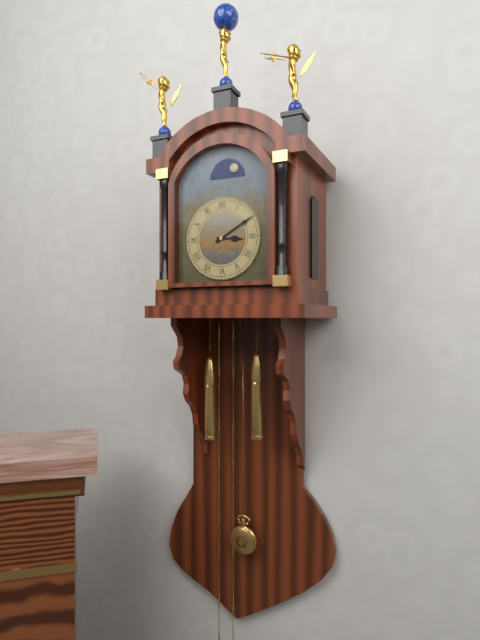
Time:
3h10
